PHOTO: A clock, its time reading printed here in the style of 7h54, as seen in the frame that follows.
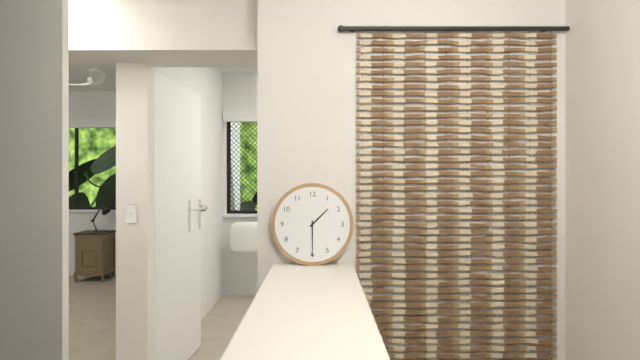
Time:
1h30
